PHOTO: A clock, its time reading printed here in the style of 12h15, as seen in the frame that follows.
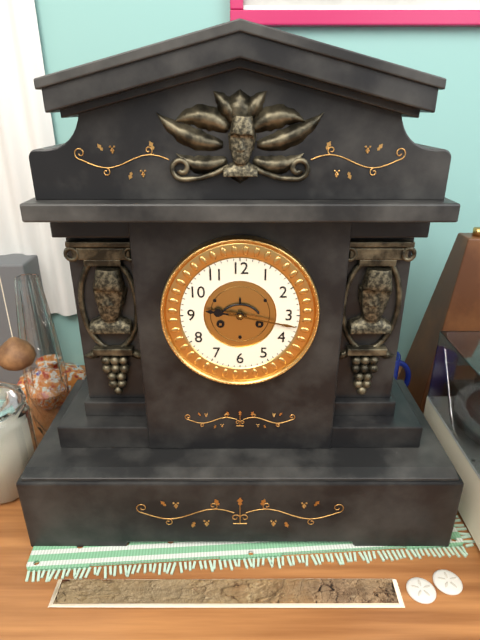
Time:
9h17
